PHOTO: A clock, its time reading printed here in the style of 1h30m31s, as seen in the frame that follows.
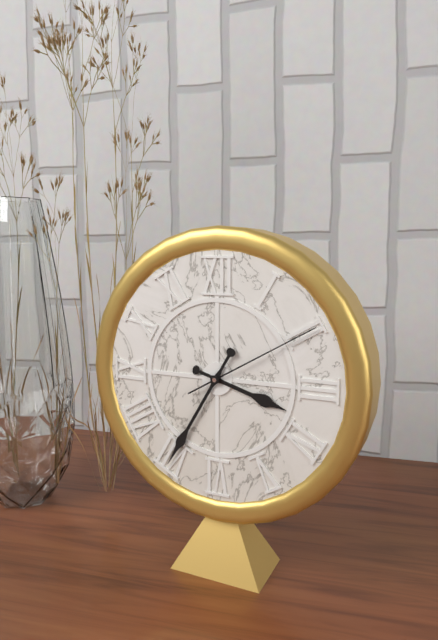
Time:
3h35m10s
